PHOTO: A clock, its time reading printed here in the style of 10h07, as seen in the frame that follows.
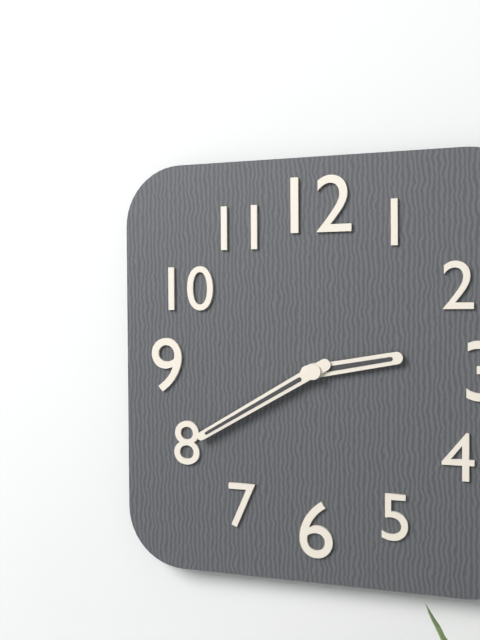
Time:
2h40
